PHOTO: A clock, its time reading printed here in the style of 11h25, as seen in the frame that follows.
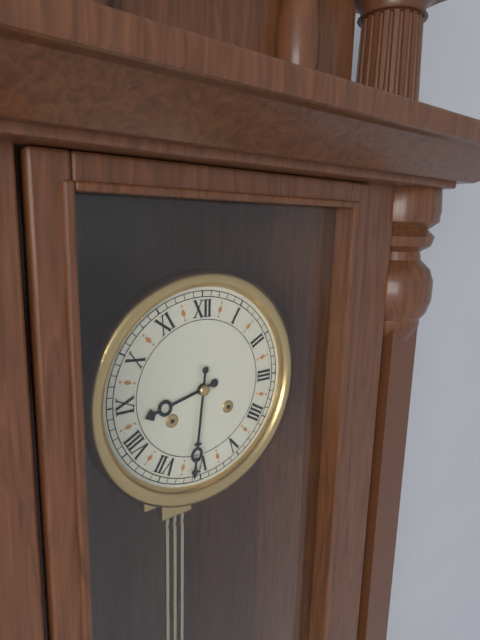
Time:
8h31
